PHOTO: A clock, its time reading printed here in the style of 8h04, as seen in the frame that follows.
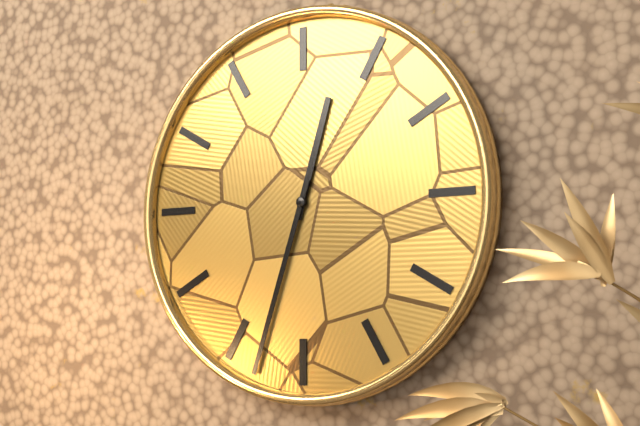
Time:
12h33
